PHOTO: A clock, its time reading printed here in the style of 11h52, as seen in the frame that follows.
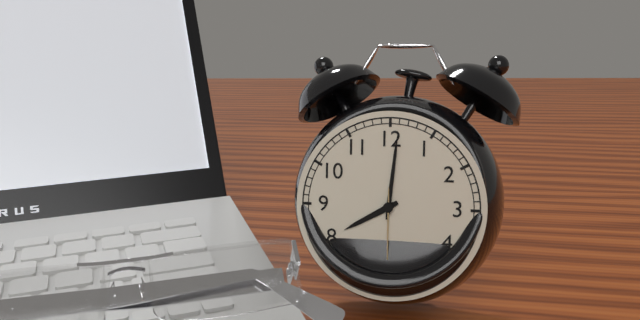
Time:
8h01
